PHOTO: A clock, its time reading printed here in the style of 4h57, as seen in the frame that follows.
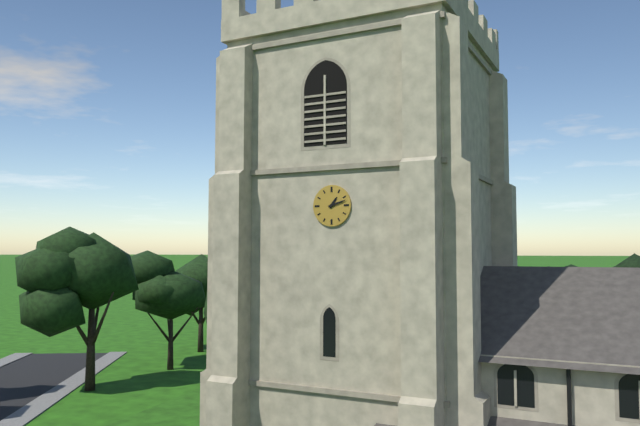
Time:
1h12
